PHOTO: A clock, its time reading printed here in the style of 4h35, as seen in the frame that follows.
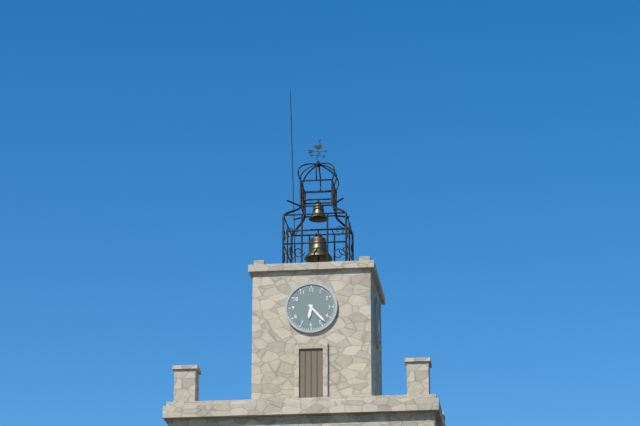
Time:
6h23
